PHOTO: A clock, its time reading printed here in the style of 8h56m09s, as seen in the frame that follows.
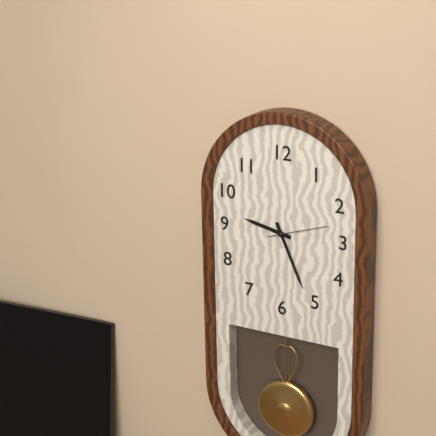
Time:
9h26m12s
